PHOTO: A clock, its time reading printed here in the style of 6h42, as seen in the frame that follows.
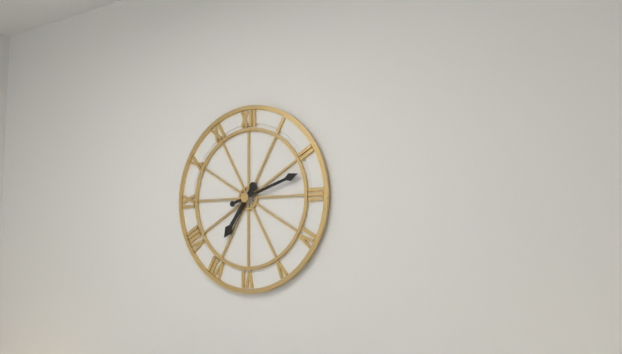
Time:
7h12
